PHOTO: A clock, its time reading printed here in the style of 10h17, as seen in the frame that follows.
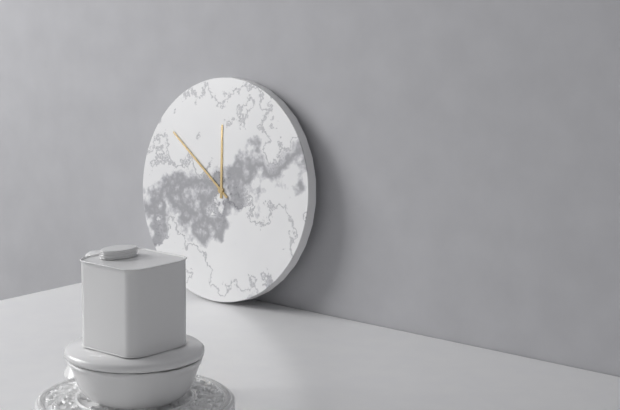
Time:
11h51
